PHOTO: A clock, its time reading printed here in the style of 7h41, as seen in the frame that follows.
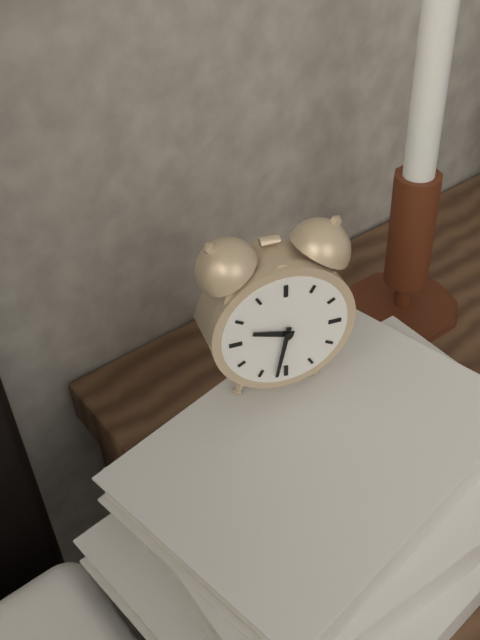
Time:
9h32
